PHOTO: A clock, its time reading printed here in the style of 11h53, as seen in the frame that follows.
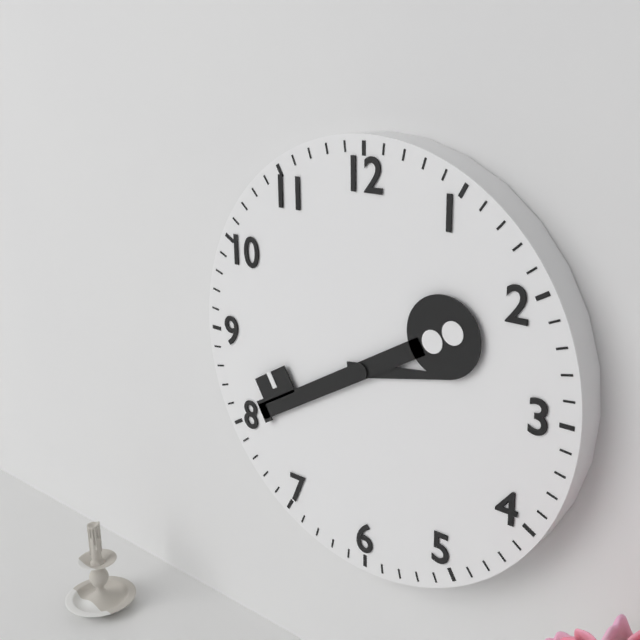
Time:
2h40
